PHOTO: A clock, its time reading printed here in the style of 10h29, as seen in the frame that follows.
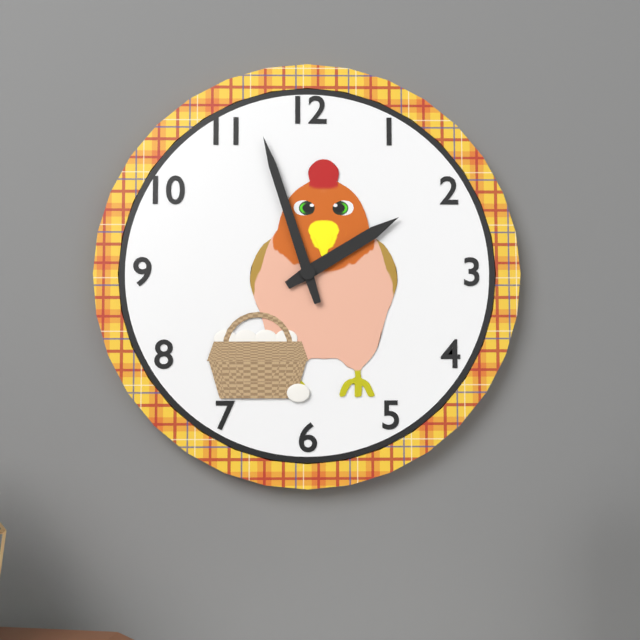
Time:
1h57
